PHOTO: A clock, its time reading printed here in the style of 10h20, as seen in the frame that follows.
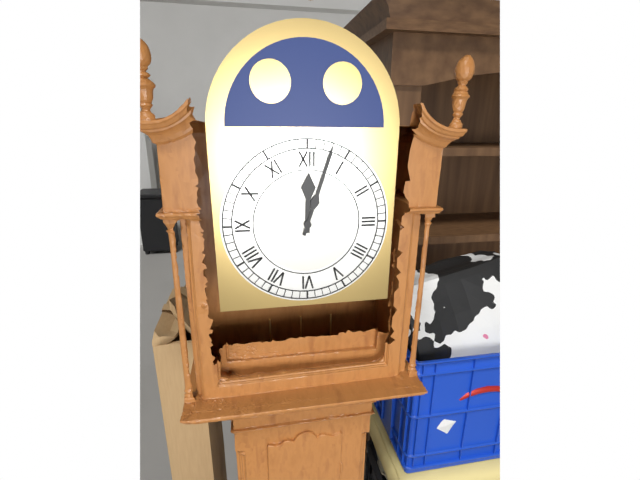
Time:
12h03
